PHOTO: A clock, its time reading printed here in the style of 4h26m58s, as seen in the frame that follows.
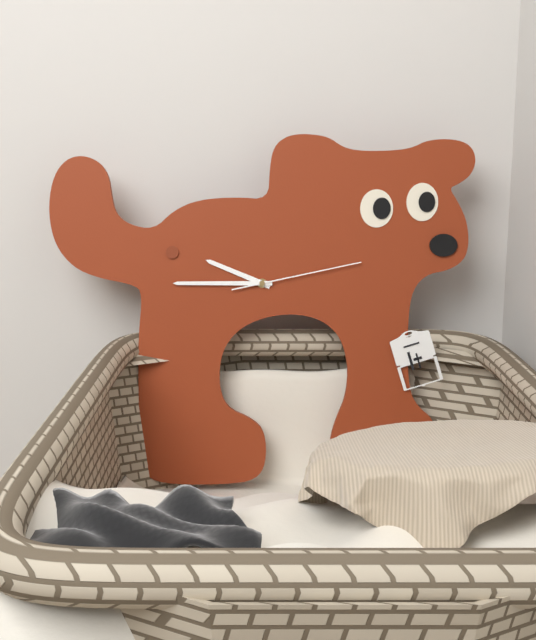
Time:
9h45m13s
